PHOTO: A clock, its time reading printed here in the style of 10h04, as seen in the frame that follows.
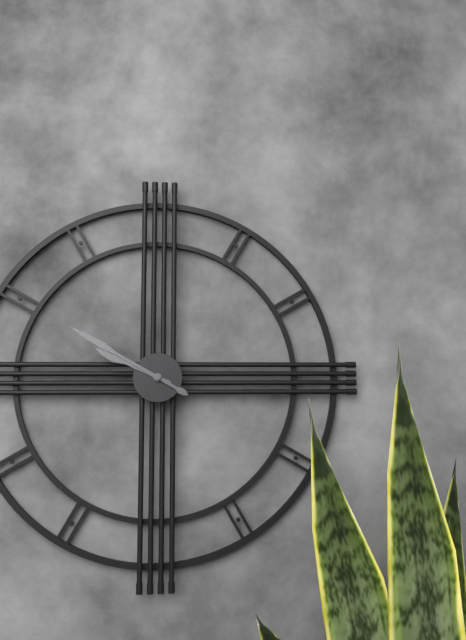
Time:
9h50
